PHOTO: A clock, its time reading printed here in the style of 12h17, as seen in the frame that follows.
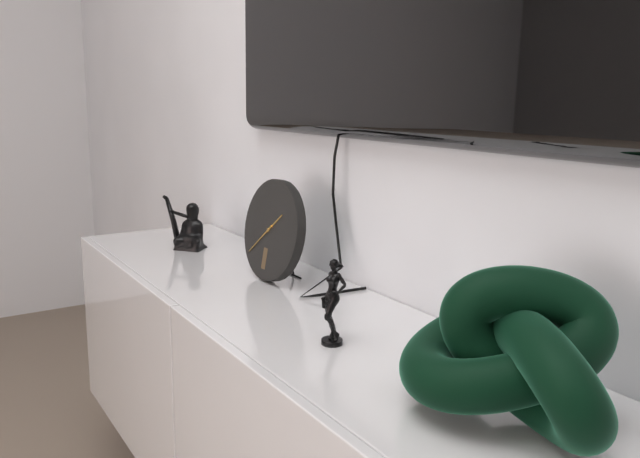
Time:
1h38
